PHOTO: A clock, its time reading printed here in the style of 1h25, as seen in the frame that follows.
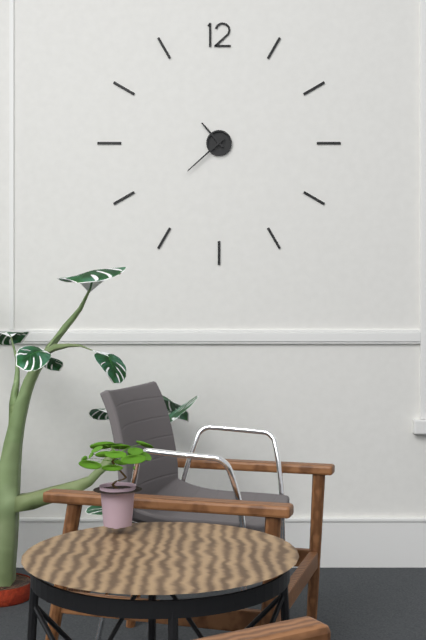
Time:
10h38
